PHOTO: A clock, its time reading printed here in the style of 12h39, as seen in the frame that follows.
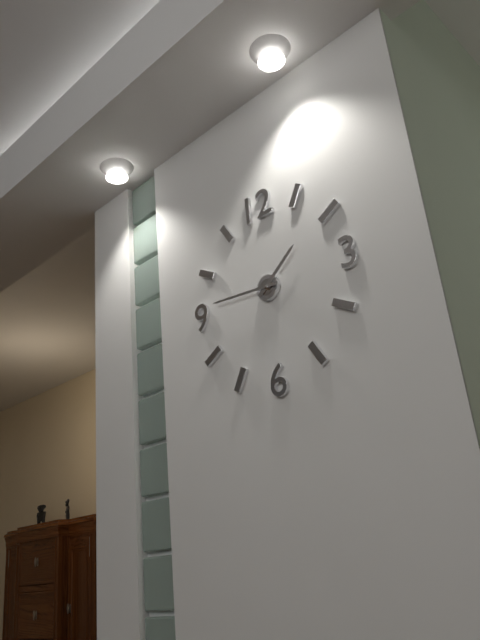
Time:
1h46
